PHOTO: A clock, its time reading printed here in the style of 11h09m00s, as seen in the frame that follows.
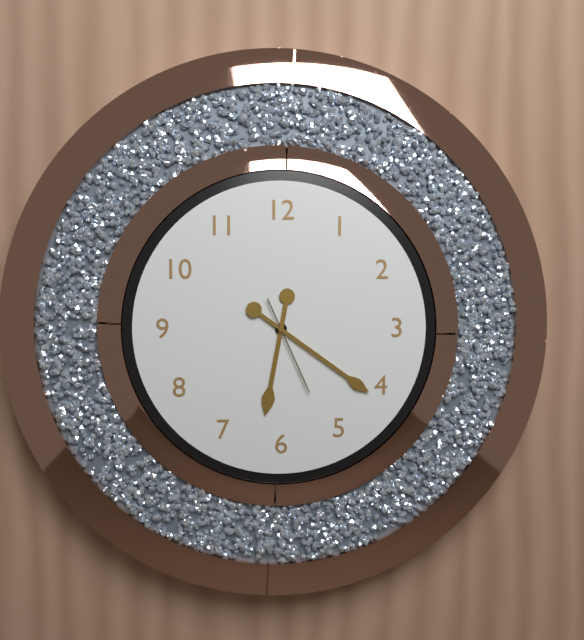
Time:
6h21m26s
